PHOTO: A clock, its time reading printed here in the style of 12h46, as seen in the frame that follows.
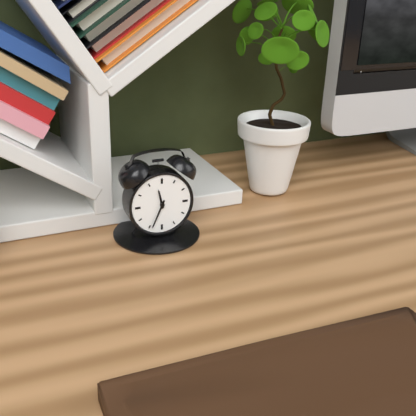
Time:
11h34
